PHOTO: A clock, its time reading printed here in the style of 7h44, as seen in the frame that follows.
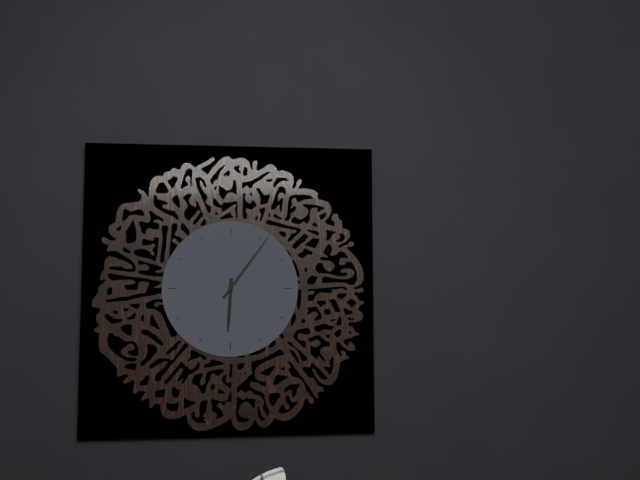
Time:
6h06
